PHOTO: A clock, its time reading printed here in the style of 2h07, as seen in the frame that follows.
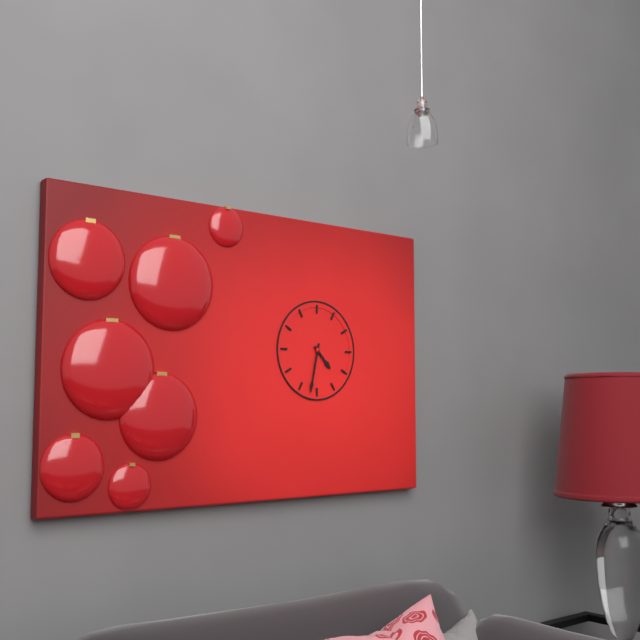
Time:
4h32
